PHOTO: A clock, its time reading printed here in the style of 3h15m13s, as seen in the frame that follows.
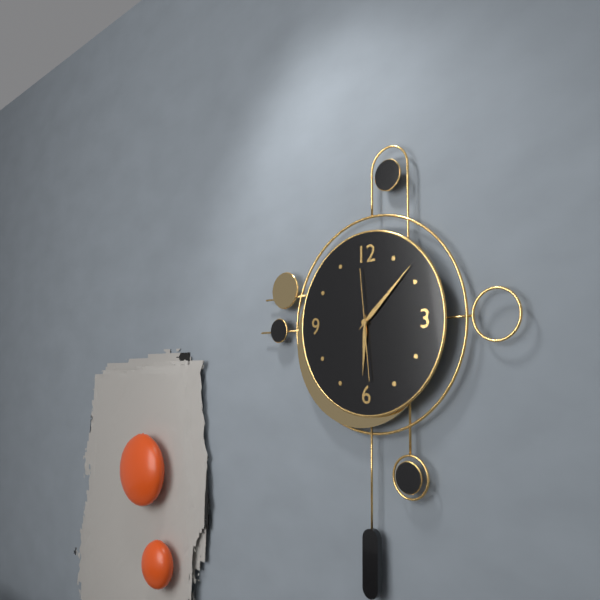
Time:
6h08m29s
